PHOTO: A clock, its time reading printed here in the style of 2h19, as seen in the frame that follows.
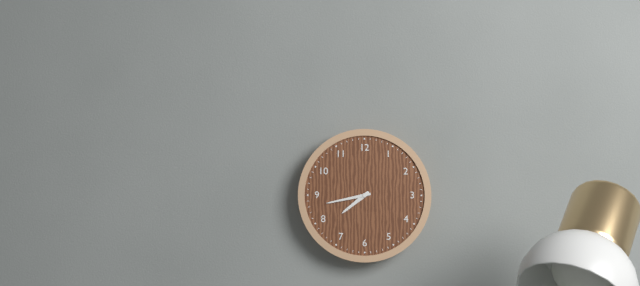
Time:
7h43
